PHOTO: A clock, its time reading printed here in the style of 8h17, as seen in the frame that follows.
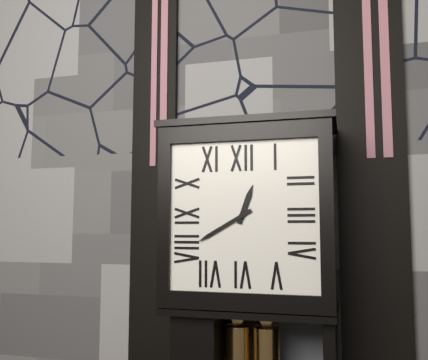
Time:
12h40
